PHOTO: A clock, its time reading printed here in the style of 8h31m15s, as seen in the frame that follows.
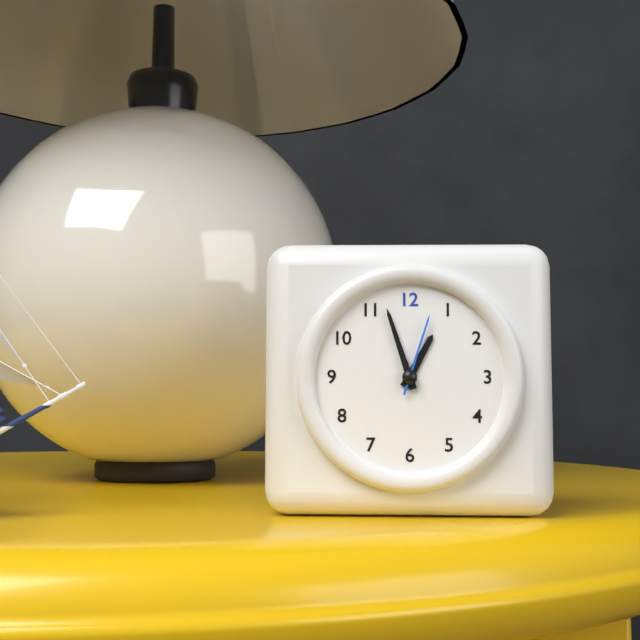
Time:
12h57m03s
